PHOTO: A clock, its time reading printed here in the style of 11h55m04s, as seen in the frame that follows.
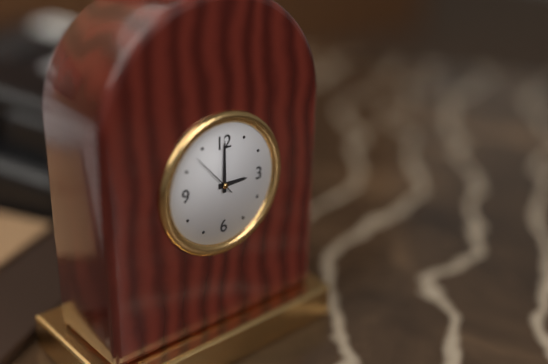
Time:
3h00m53s
